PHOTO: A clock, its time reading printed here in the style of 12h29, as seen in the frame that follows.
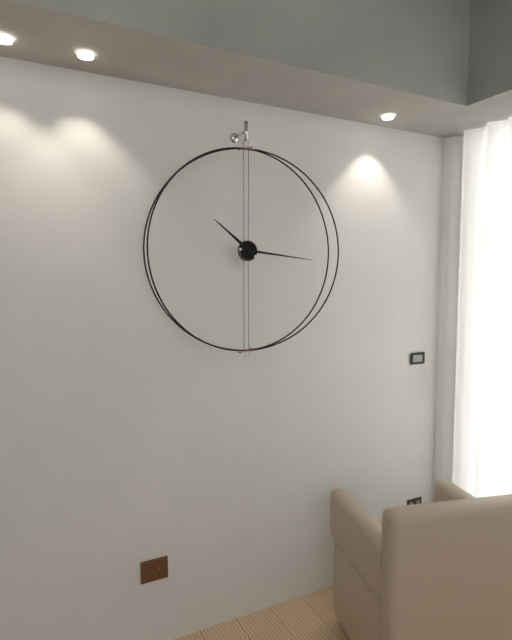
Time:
10h16
